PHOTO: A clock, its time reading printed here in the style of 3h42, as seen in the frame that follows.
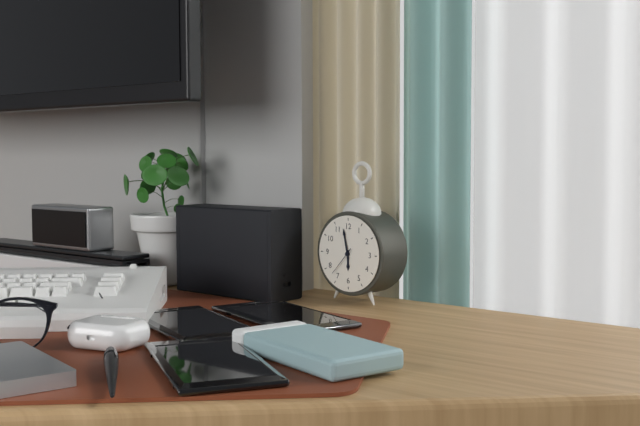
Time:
5h58
